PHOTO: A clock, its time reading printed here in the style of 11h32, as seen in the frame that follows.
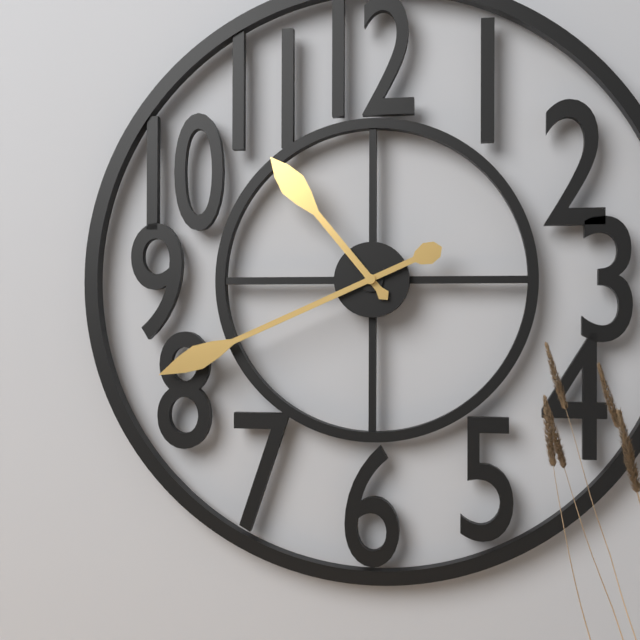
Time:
10h41
